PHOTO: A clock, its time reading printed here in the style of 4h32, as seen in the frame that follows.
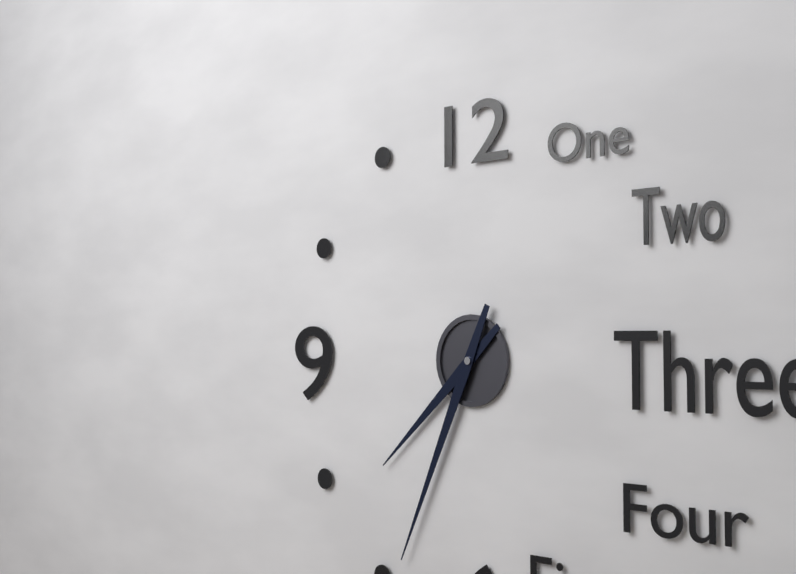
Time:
7h34
